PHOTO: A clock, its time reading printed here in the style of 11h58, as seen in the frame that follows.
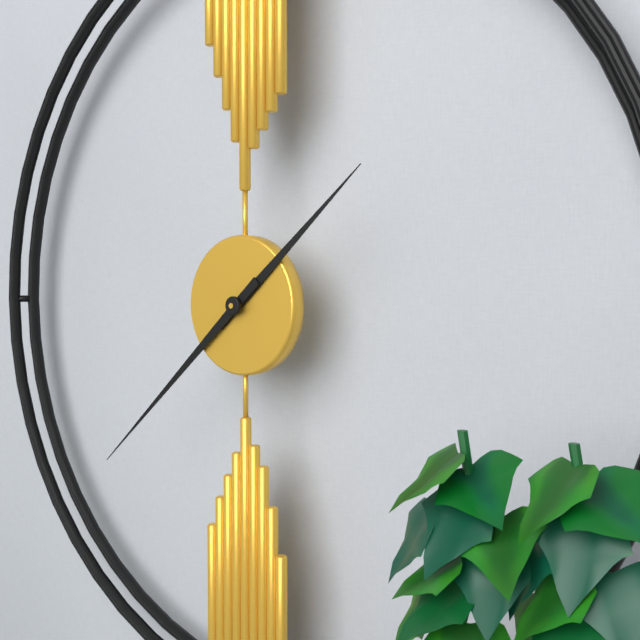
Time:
1h38
